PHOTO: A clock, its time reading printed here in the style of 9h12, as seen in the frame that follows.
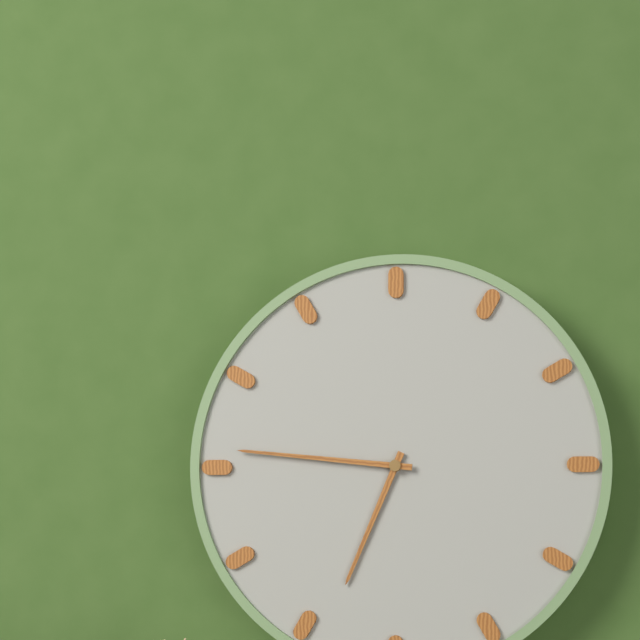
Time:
6h46
